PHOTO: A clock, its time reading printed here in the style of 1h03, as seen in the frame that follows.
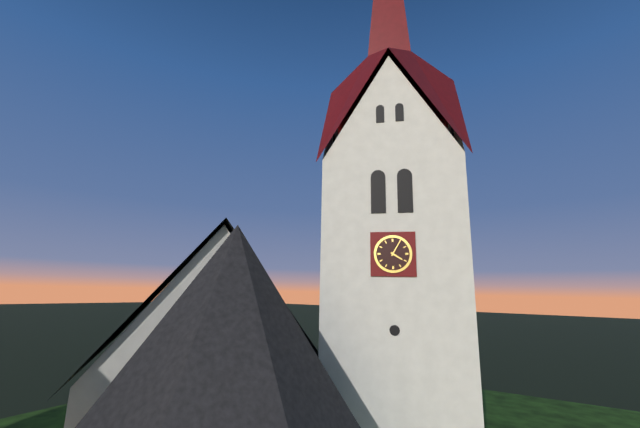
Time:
4h05
